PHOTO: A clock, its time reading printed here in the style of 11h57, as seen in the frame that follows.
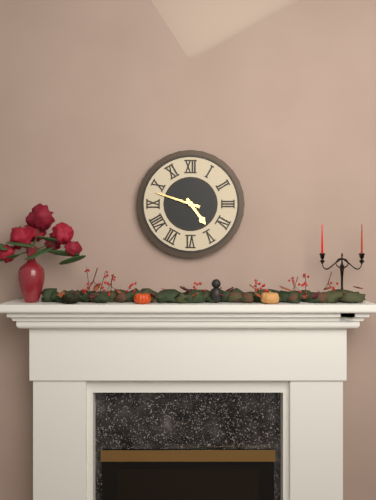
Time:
4h48
